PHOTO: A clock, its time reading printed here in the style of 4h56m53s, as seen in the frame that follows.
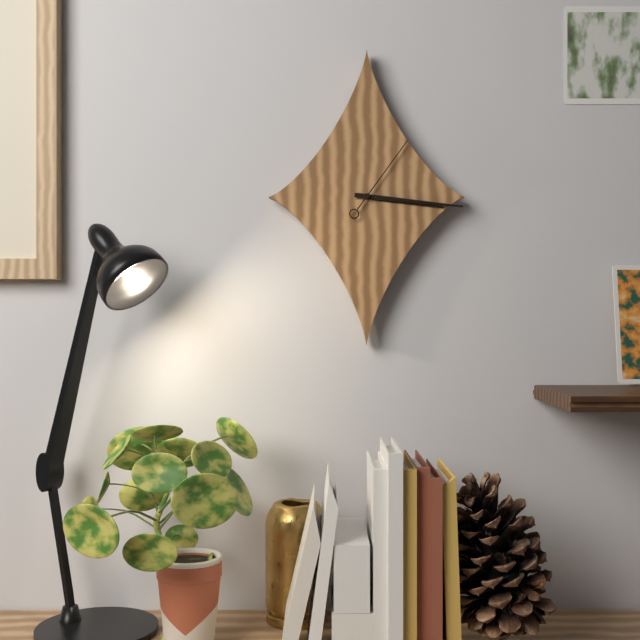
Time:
3h16m06s
